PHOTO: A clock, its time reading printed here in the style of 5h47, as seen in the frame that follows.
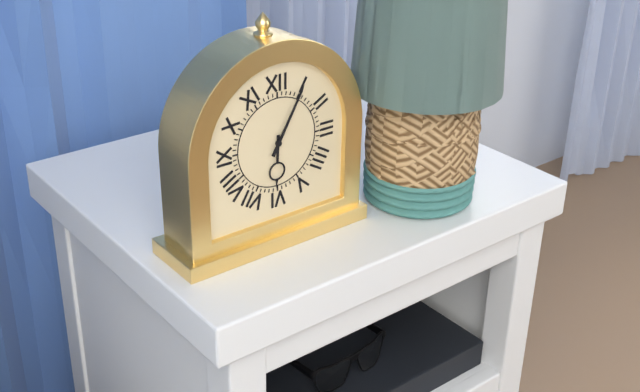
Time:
6h05
